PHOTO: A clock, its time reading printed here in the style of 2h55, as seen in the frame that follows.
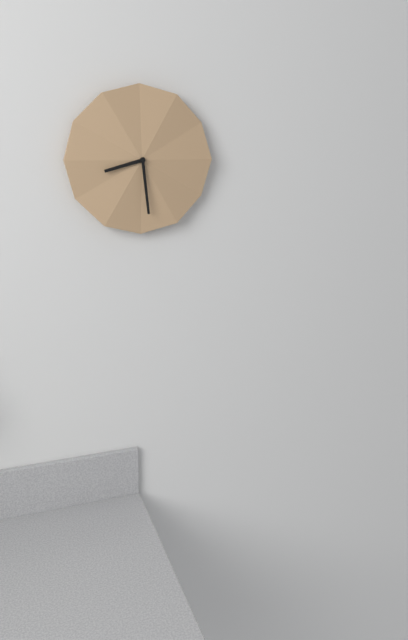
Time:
8h29
